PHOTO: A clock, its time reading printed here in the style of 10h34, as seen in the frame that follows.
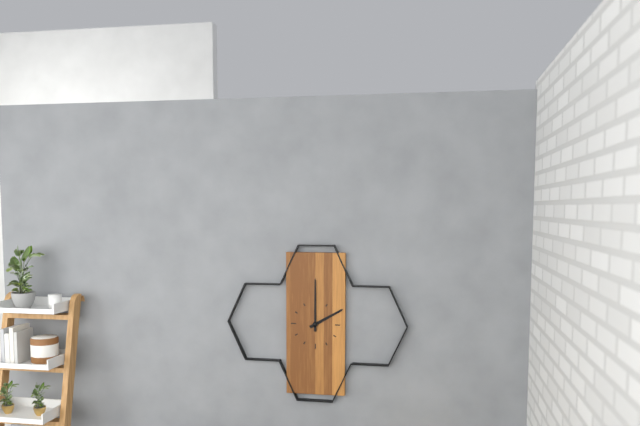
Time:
2h00
